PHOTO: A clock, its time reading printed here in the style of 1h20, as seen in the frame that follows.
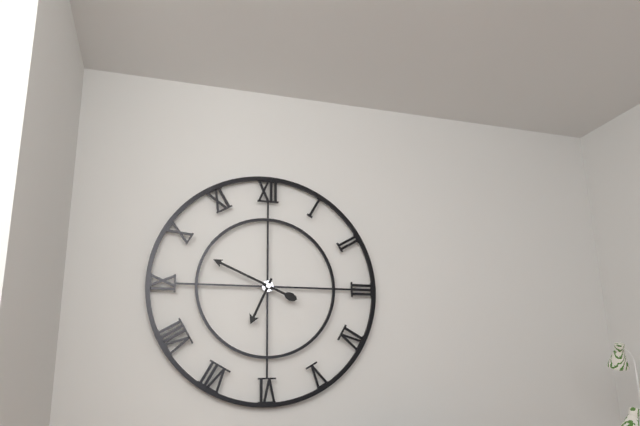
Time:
6h49
